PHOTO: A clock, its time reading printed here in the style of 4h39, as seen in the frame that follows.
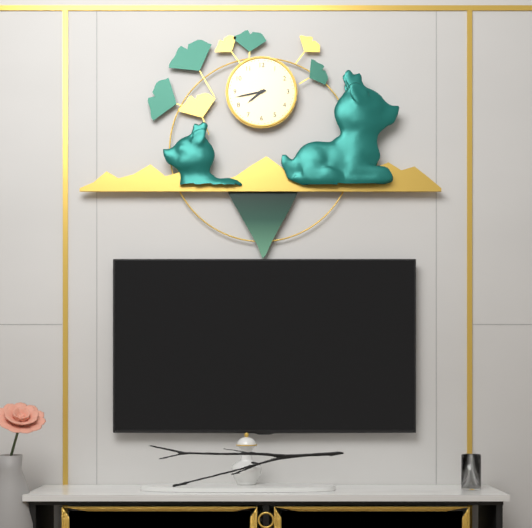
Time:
7h43
